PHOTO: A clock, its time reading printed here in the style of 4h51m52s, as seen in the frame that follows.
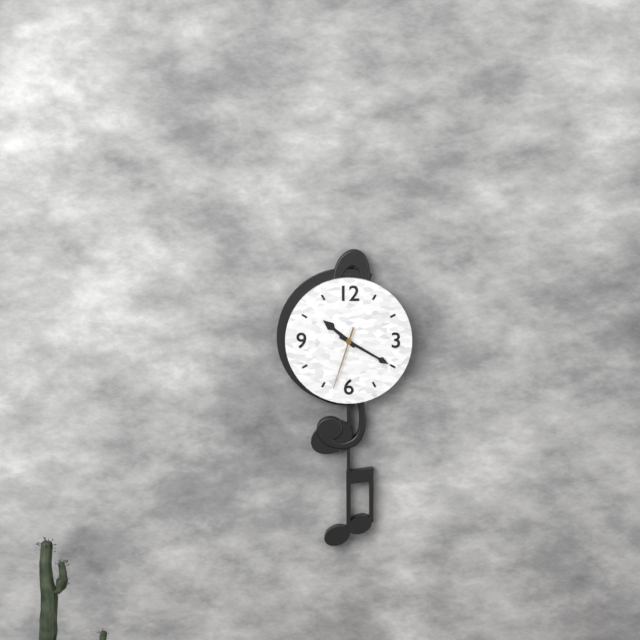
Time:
10h20m33s
